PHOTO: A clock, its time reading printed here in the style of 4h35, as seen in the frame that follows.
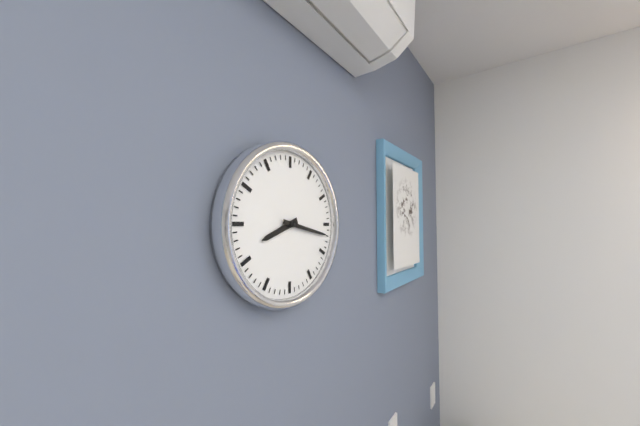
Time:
8h17
